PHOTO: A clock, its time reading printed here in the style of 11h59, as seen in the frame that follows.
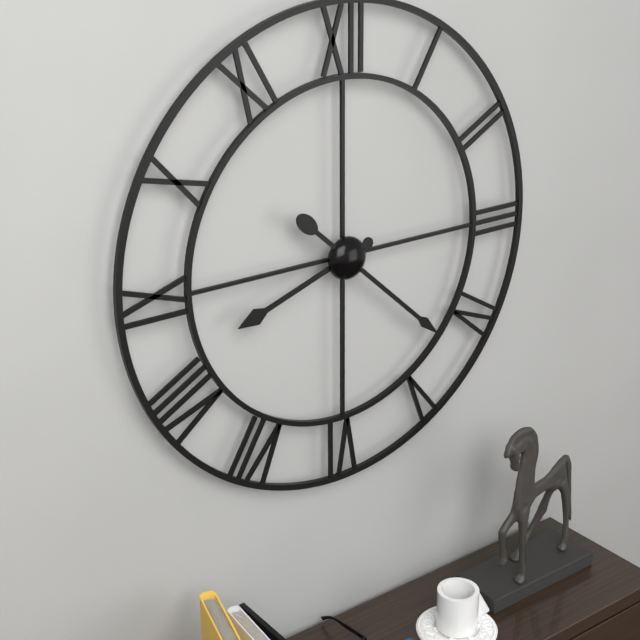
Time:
8h22
